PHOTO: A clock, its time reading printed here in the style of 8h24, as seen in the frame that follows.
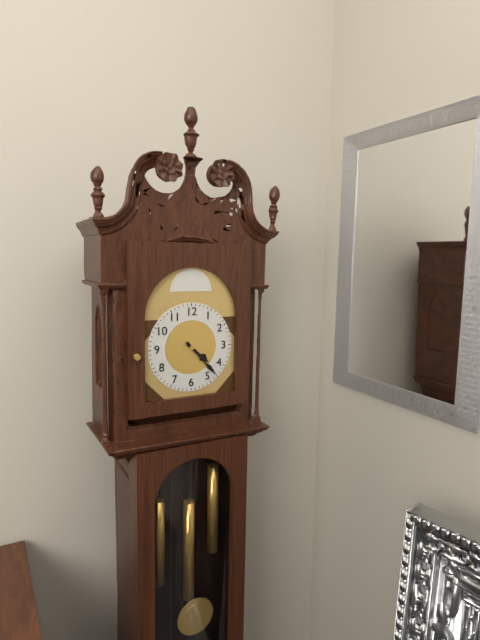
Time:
4h23
